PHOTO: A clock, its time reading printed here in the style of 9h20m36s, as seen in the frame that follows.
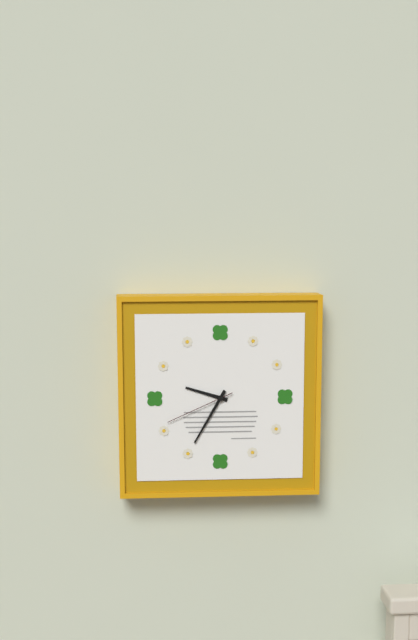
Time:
9h35m41s
